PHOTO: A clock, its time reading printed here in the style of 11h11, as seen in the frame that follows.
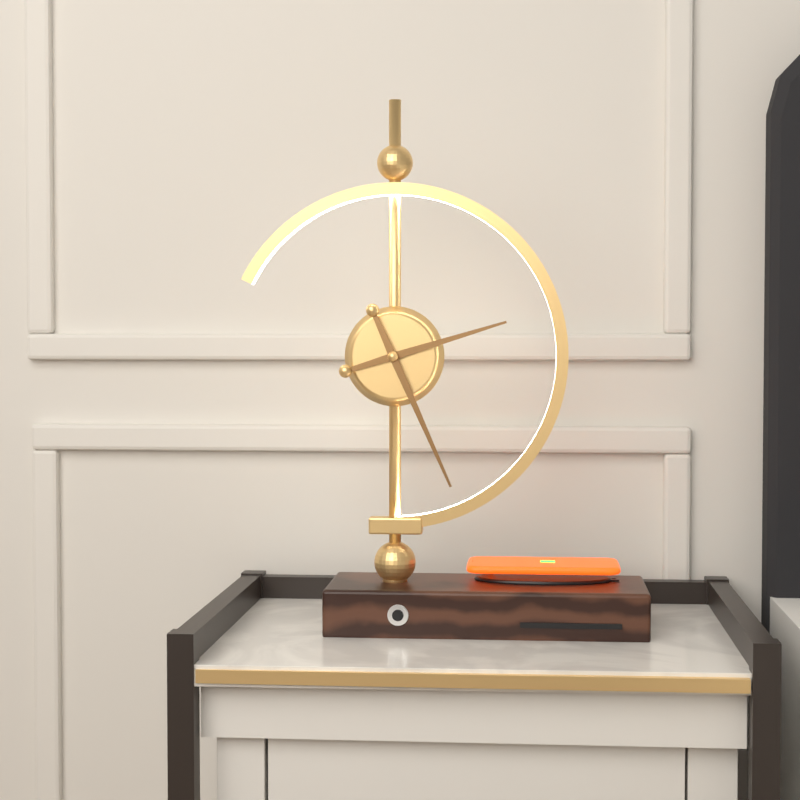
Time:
2h26
